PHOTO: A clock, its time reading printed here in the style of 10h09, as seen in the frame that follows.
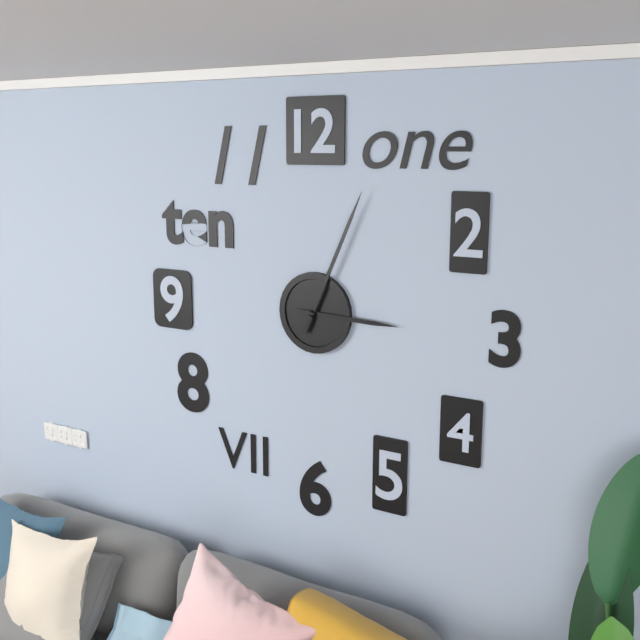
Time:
3h04
